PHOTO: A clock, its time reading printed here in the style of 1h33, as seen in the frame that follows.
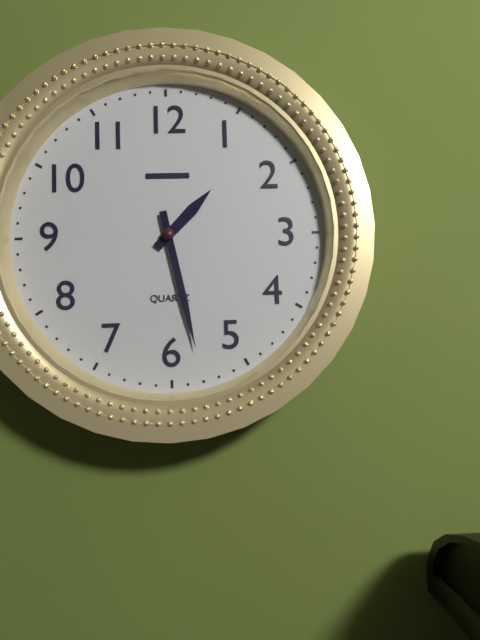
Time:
1h28
